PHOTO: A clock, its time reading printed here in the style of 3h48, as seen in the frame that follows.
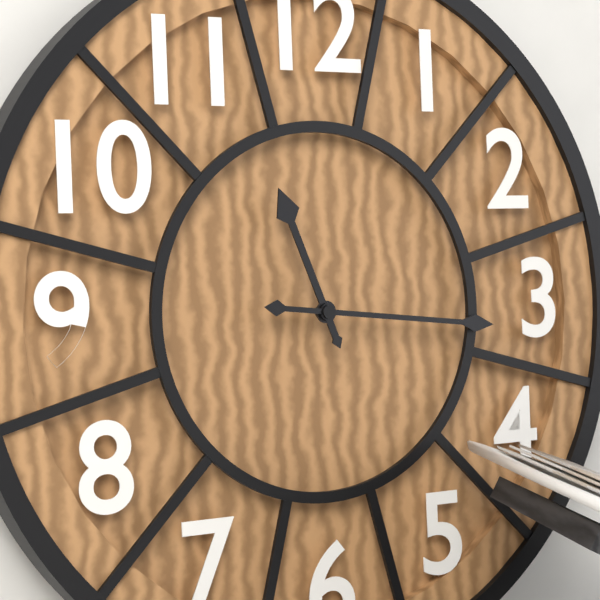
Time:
11h16
